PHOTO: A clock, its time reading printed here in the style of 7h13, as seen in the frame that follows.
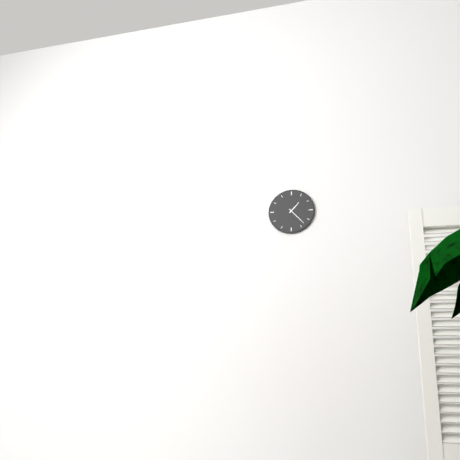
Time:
1h23
